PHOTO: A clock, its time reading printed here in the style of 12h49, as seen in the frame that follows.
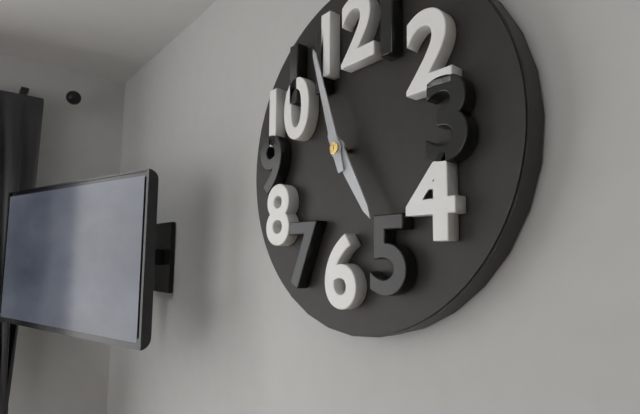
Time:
4h57
